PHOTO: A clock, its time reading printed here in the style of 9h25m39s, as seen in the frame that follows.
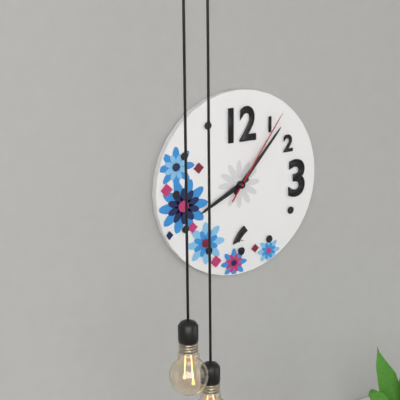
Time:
8h07m06s
